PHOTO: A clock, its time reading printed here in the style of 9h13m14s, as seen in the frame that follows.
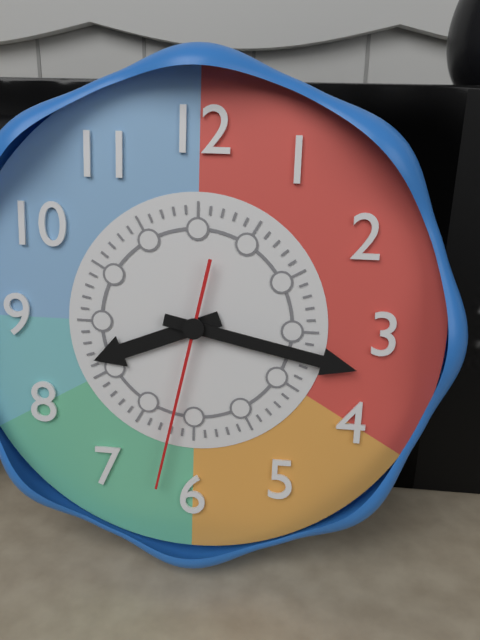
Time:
8h17m32s
